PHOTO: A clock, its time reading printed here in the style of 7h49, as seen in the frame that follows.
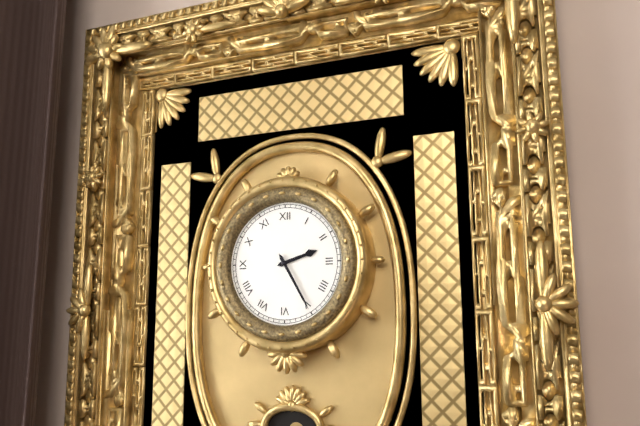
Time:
2h25
